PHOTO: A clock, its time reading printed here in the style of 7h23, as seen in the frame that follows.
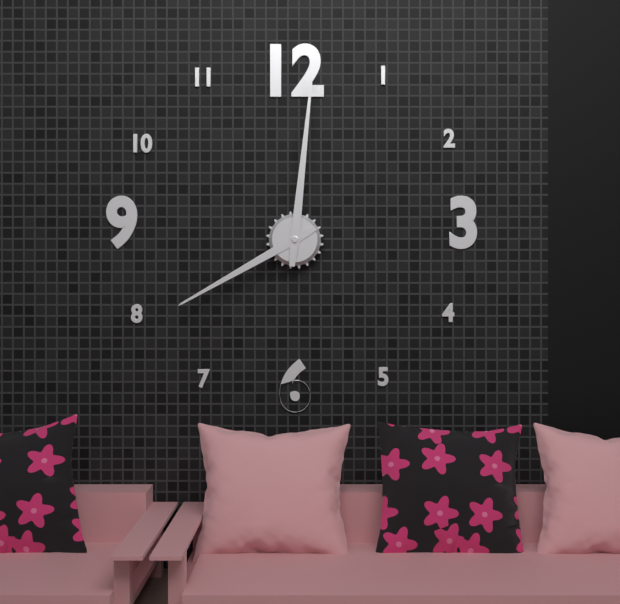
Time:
8h01
